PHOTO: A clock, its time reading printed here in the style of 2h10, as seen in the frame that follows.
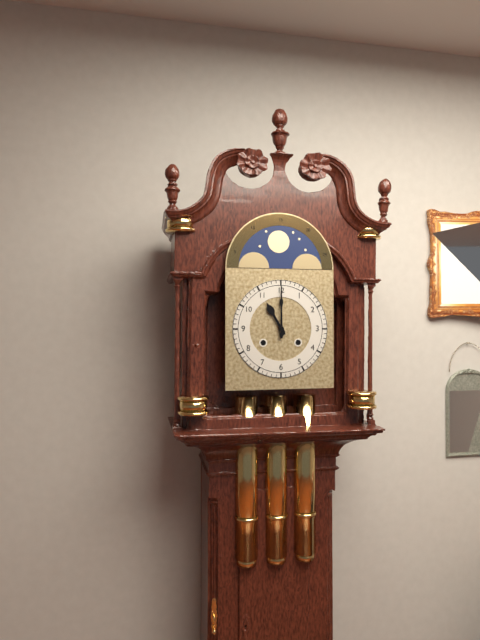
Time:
11h00
